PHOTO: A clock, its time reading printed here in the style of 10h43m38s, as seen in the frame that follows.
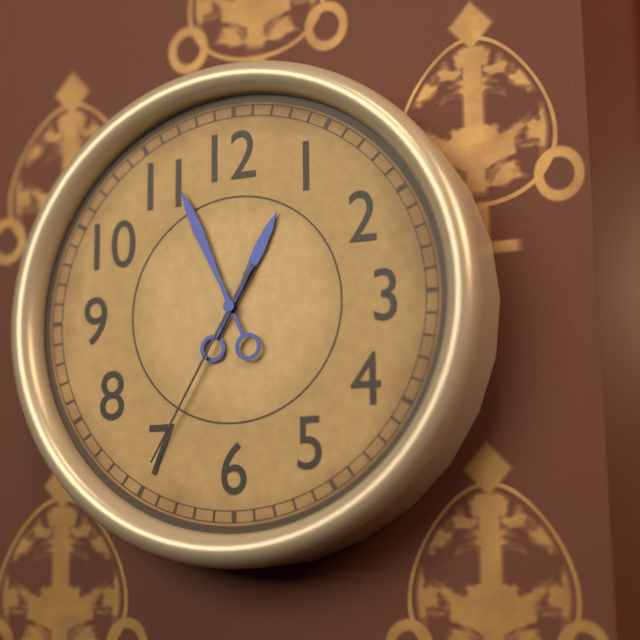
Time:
12h56m35s
